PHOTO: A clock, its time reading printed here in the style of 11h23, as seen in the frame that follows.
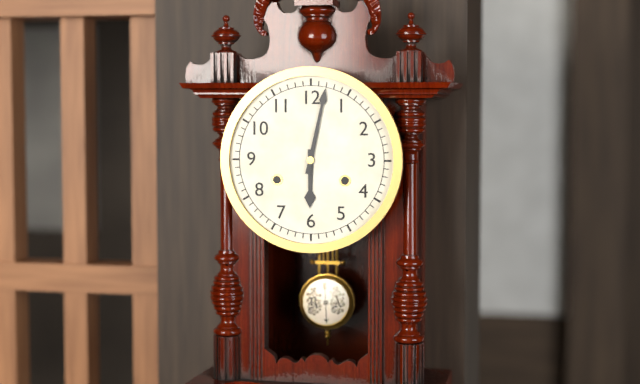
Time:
6h02
